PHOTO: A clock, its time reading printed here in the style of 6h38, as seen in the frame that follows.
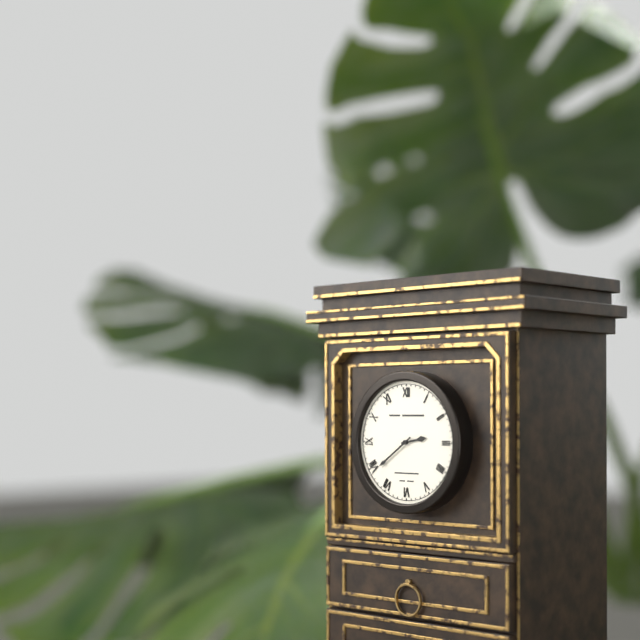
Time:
2h39
